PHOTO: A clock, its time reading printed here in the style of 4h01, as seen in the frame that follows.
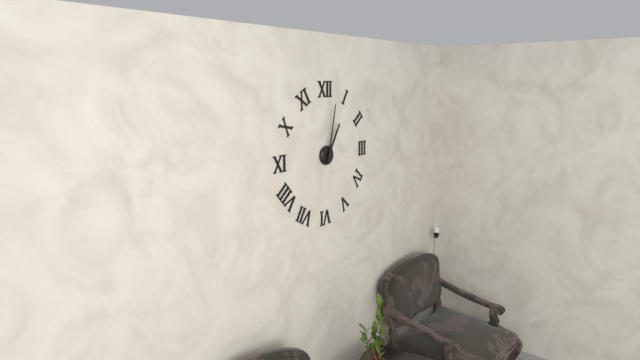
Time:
1h02
